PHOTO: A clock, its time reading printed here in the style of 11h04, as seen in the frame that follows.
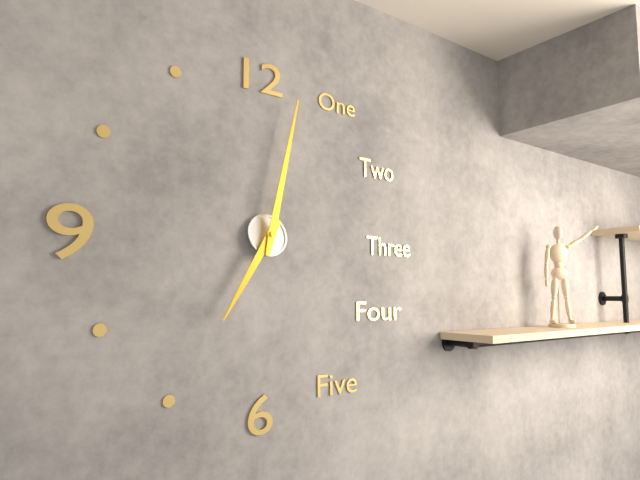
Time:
7h02
